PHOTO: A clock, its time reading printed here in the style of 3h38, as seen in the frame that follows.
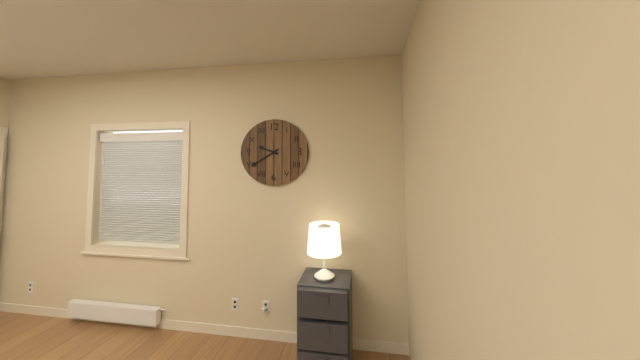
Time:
9h40
